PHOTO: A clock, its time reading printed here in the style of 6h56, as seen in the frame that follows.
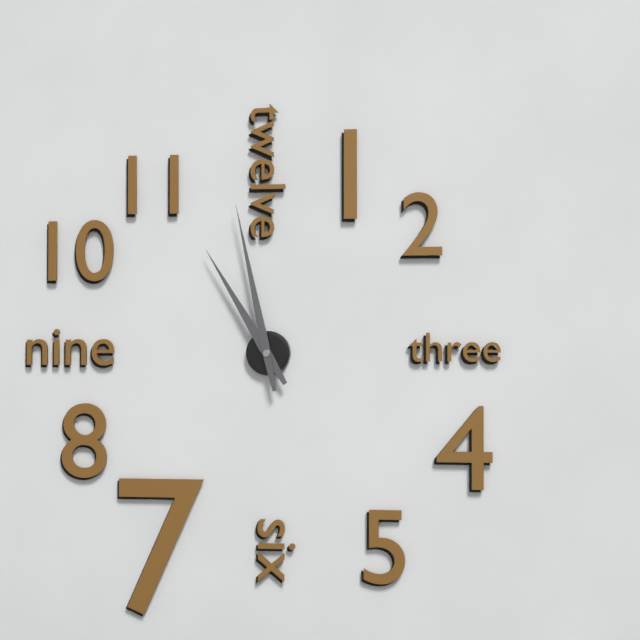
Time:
10h58
